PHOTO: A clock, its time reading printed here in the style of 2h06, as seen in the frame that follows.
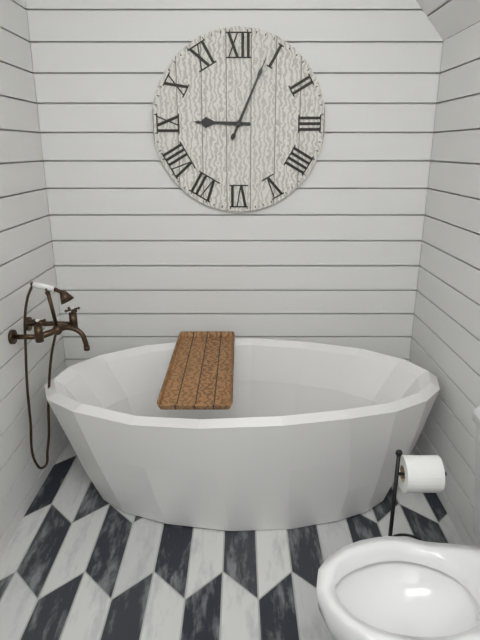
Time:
9h04
